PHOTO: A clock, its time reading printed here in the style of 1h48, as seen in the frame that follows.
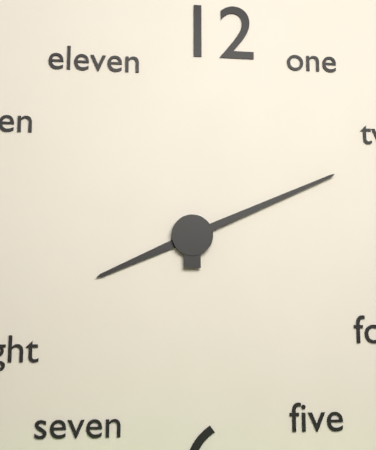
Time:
8h11
